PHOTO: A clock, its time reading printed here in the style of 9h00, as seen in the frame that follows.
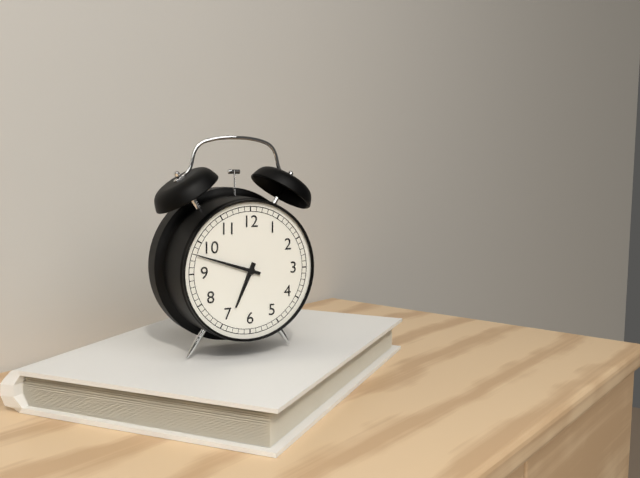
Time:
6h48
